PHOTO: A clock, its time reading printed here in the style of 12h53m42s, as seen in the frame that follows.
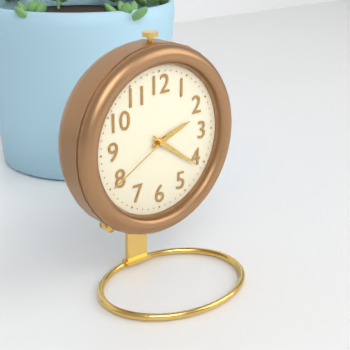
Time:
2h21m40s
